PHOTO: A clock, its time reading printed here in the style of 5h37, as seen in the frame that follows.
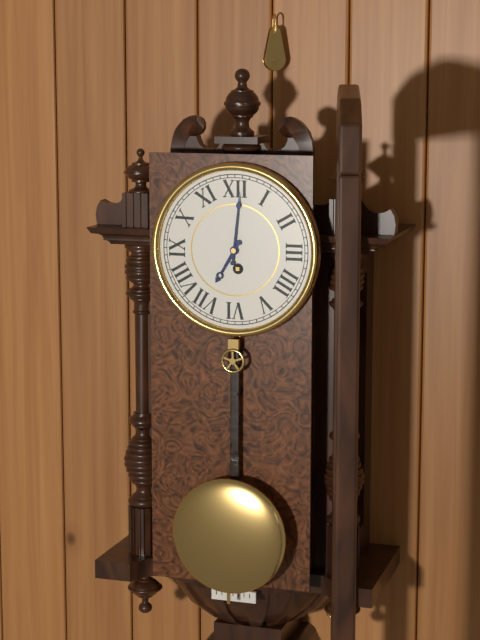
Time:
7h01
